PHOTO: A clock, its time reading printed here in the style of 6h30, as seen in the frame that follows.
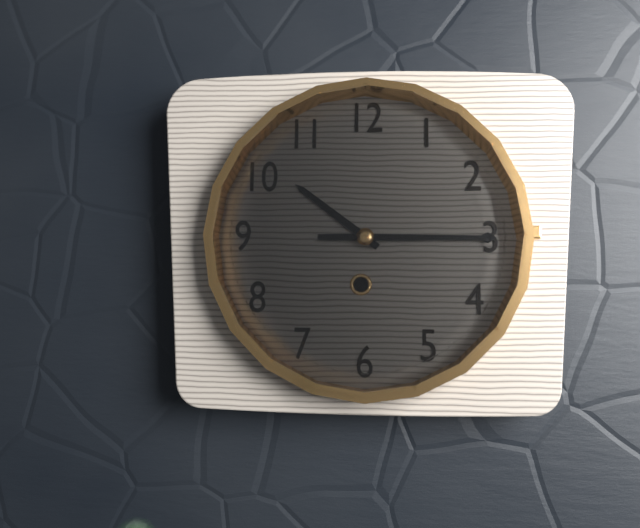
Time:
10h15
